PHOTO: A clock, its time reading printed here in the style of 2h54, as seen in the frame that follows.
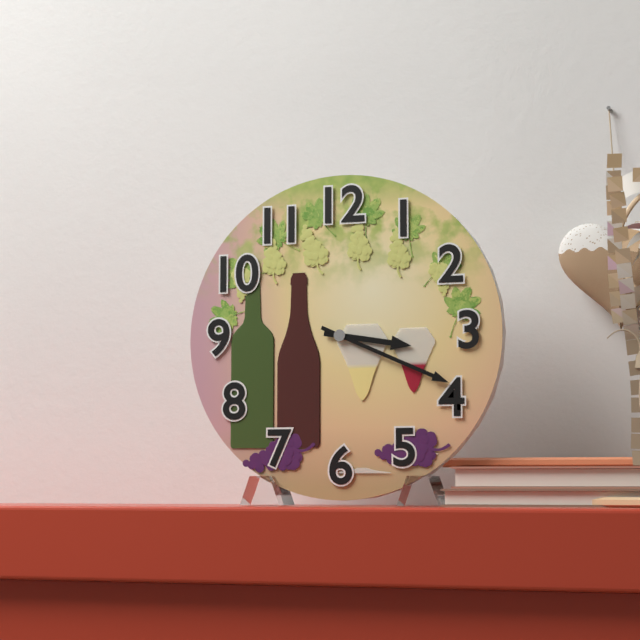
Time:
3h19
